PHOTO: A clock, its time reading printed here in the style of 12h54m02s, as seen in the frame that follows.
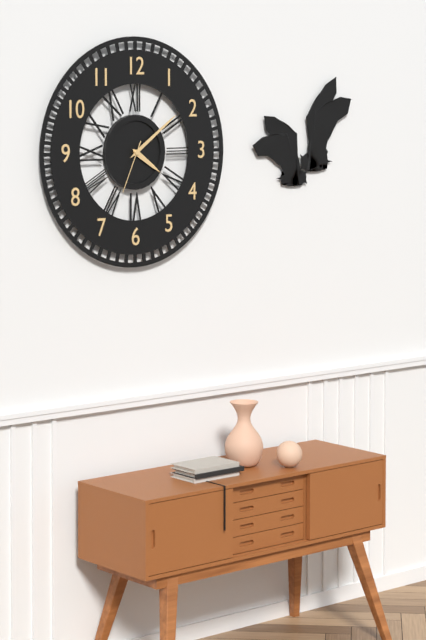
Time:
4h09m34s
